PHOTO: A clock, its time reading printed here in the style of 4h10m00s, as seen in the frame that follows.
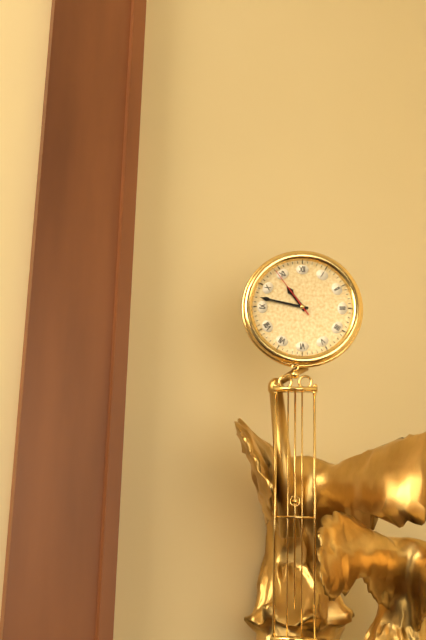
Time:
10h47m54s
